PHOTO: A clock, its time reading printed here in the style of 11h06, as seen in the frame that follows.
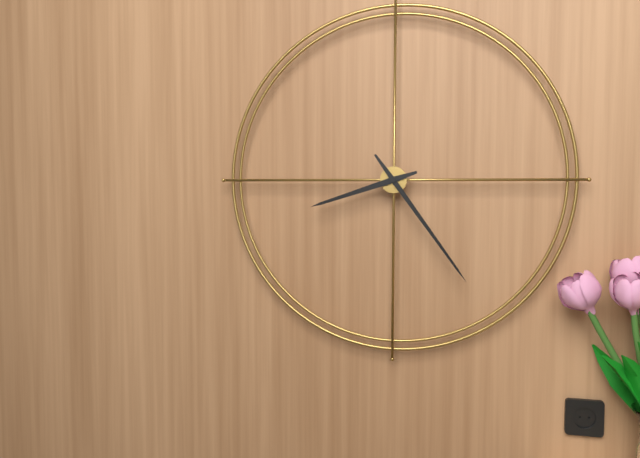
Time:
8h24
